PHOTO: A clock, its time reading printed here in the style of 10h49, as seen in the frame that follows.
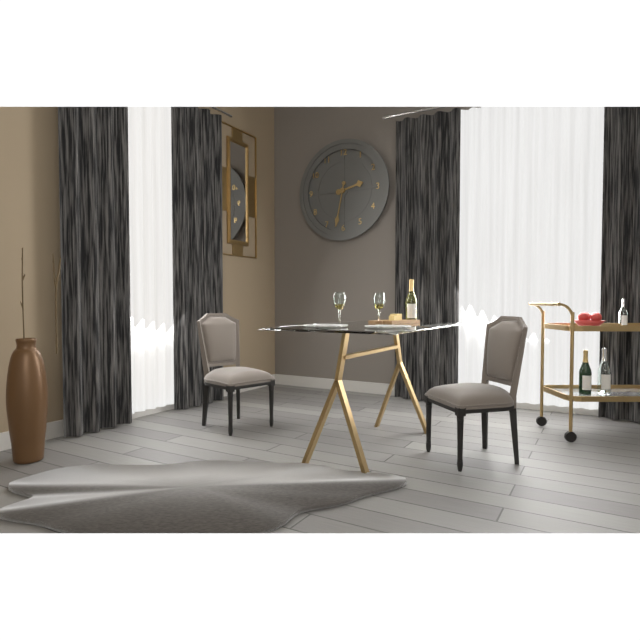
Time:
2h32
